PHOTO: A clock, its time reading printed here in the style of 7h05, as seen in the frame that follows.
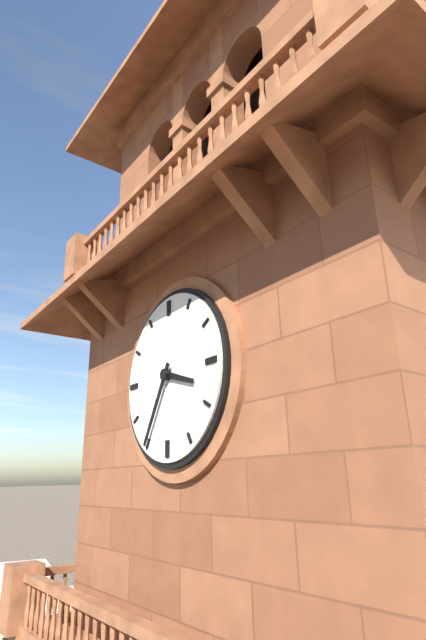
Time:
3h35
